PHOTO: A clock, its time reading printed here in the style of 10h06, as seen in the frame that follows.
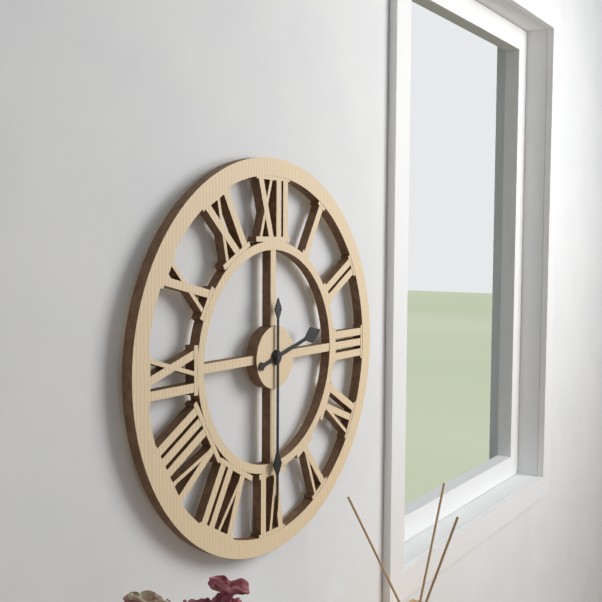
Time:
2h30
